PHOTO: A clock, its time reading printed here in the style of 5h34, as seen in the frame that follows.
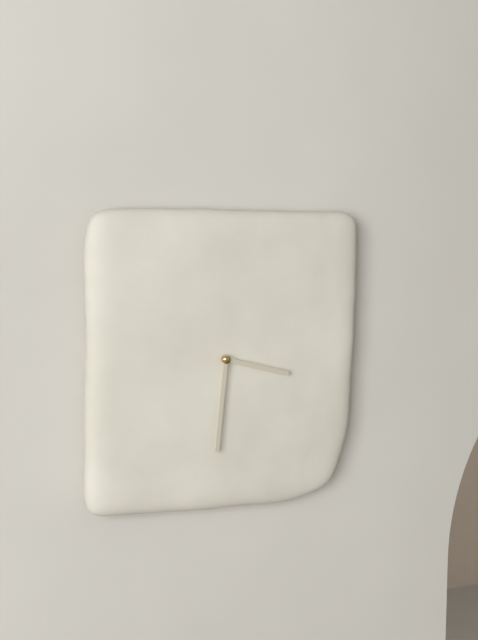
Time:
3h31
